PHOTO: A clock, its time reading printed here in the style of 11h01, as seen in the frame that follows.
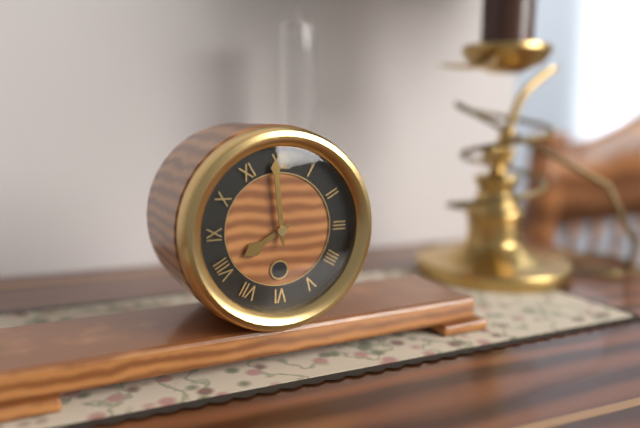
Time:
7h59
